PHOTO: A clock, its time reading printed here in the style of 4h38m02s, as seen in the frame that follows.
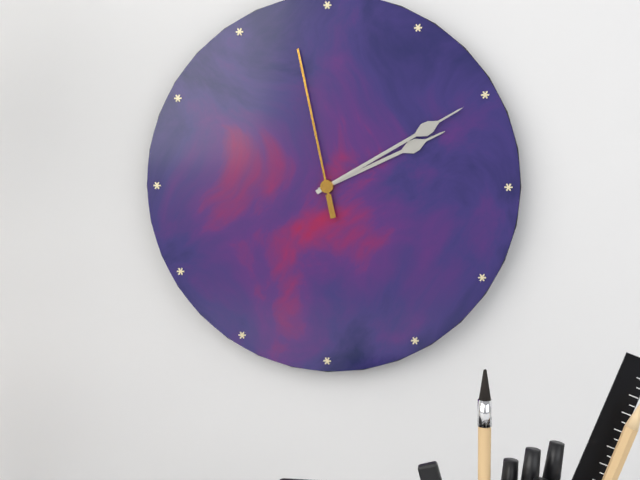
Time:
2h10m58s
